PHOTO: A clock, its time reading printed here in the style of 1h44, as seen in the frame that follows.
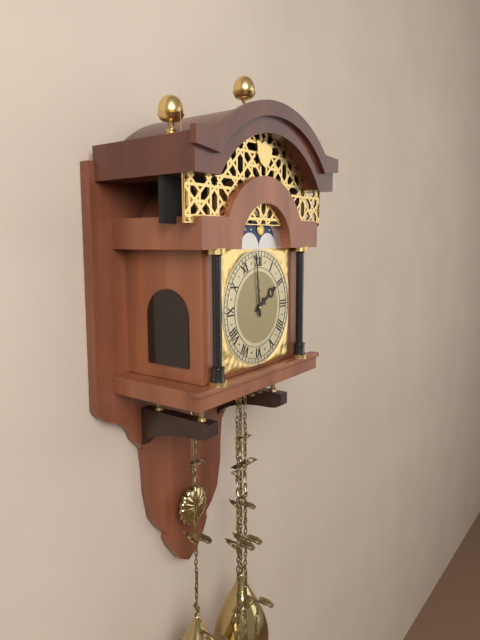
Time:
1h59
